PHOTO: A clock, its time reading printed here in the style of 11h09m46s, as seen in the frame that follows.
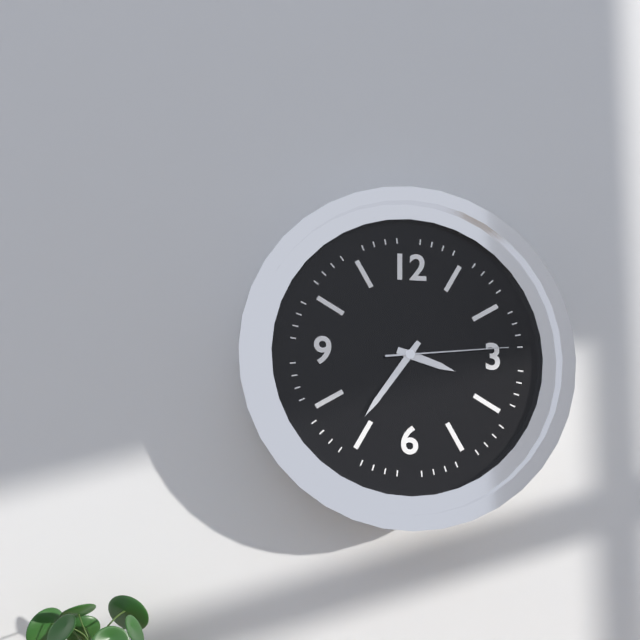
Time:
3h36m14s
